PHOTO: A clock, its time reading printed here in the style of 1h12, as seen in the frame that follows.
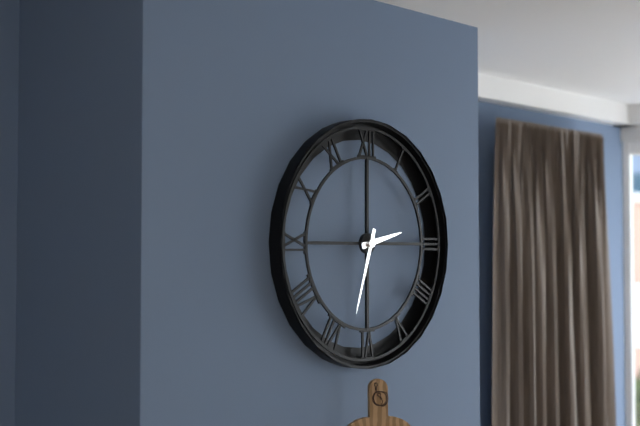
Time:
2h33
